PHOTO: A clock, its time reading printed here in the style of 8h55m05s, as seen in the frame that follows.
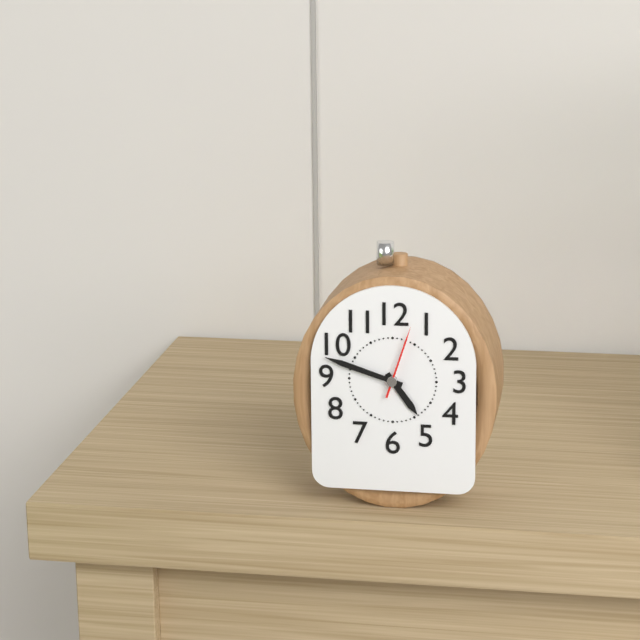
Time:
4h48m03s
